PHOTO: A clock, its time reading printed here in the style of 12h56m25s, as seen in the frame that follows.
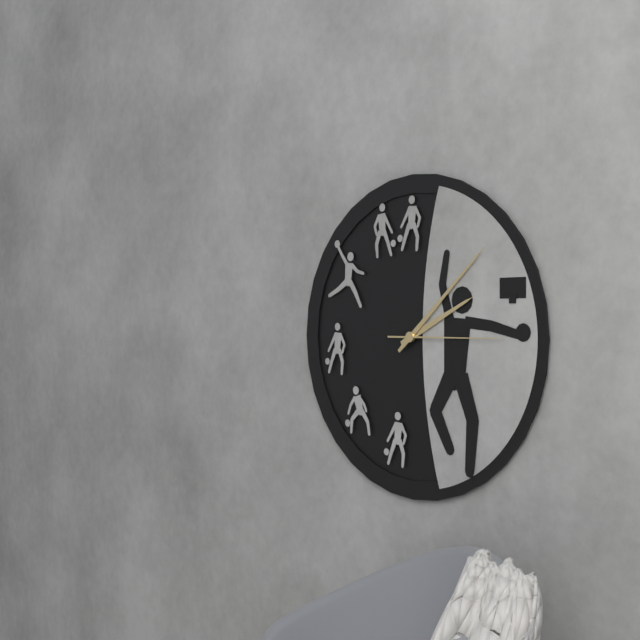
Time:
2h08m15s
